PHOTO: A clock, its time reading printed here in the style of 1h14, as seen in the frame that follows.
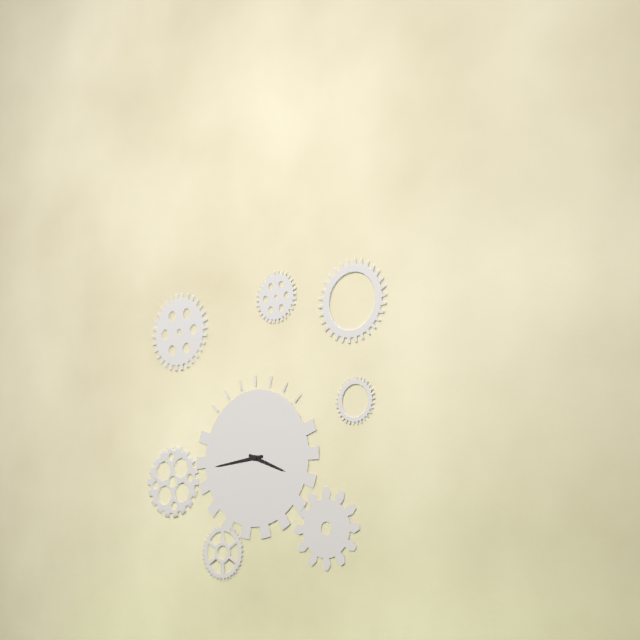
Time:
3h44
